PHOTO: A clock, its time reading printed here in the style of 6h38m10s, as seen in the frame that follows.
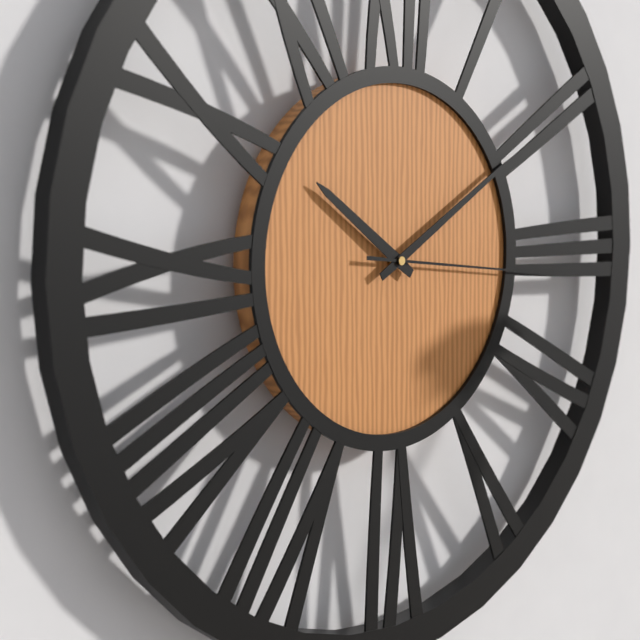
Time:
10h10m16s
